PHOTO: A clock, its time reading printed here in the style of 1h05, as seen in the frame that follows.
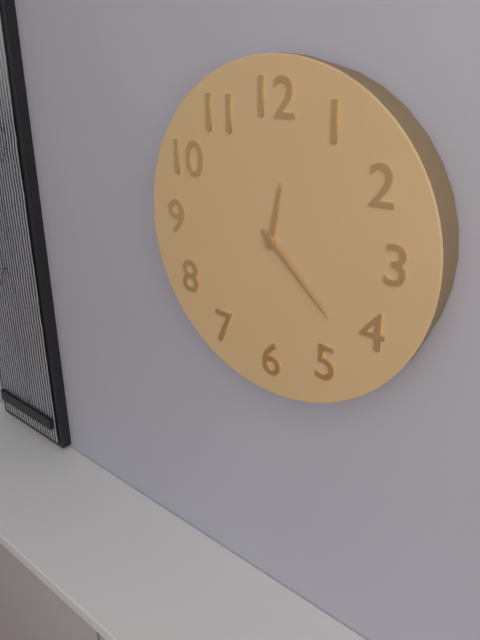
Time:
12h22
